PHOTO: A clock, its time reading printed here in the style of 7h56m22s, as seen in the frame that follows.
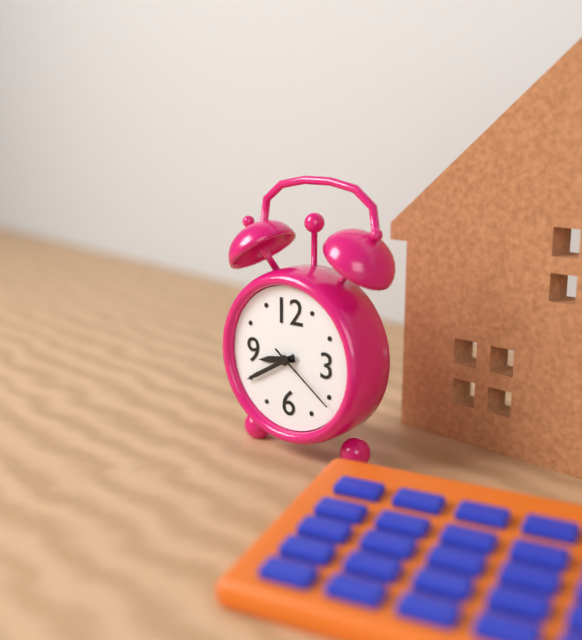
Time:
8h40m21s
